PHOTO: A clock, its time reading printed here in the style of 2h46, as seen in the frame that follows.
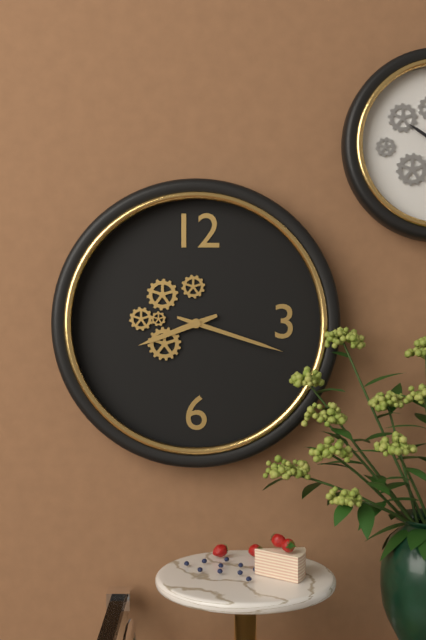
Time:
8h18
